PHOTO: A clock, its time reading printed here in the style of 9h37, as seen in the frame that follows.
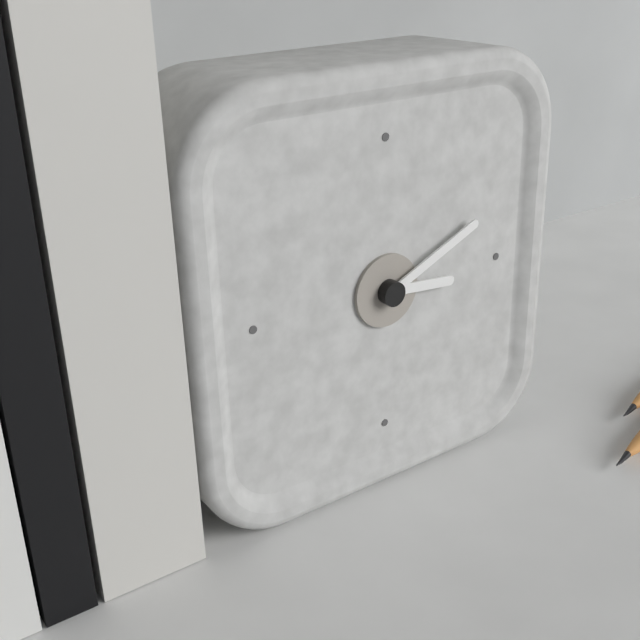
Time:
3h11
